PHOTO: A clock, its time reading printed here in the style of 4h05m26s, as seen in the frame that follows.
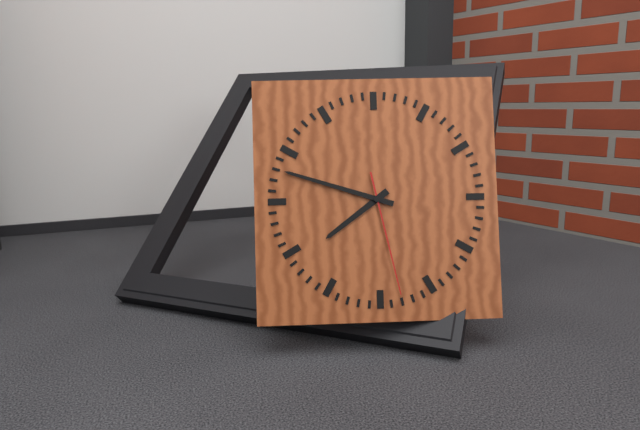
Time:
7h48m28s
